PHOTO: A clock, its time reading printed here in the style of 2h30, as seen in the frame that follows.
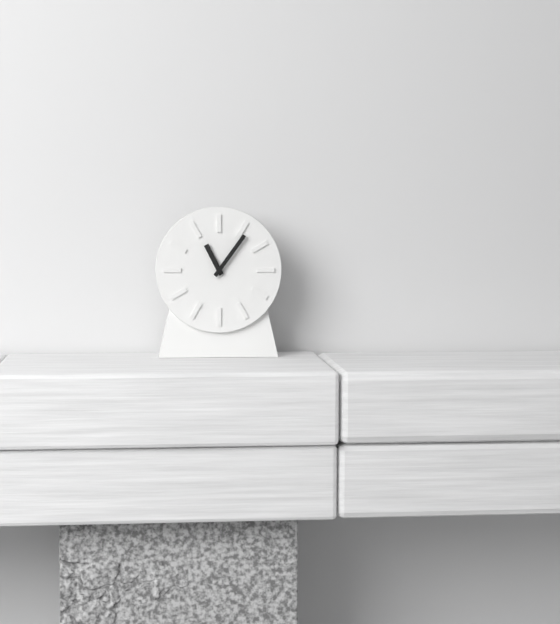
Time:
11h06
